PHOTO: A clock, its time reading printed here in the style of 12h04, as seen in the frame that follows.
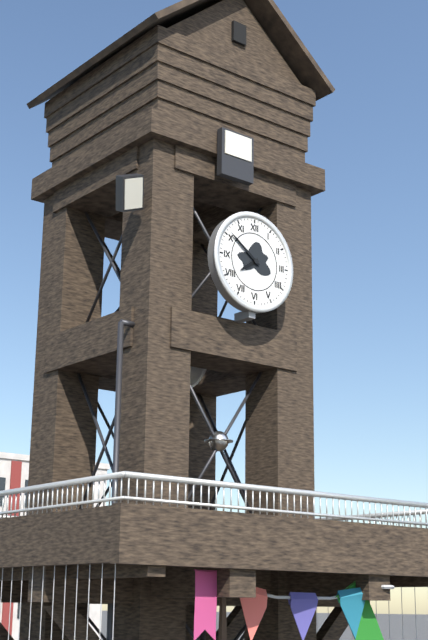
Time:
7h51
